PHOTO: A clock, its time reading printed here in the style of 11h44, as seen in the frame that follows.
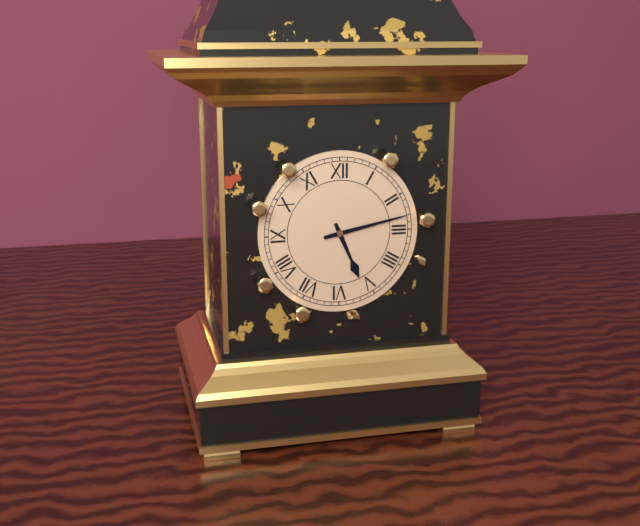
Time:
5h13
